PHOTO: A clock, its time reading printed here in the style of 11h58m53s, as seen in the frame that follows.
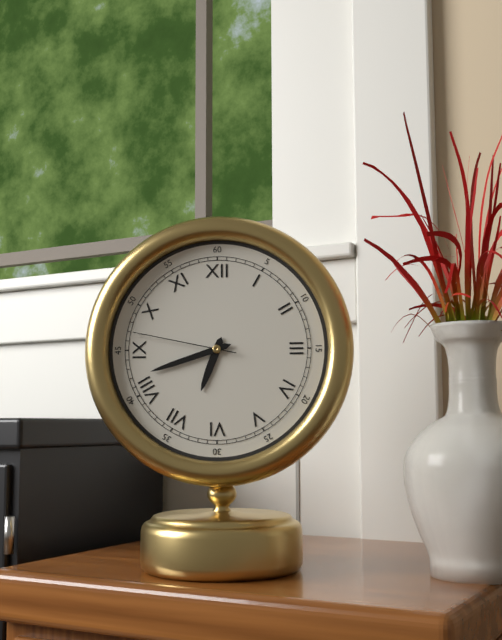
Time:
6h42m47s
